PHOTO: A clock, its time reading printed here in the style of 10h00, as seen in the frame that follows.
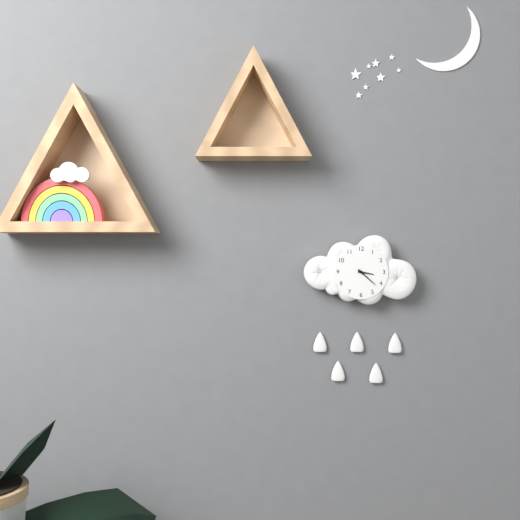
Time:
3h22
